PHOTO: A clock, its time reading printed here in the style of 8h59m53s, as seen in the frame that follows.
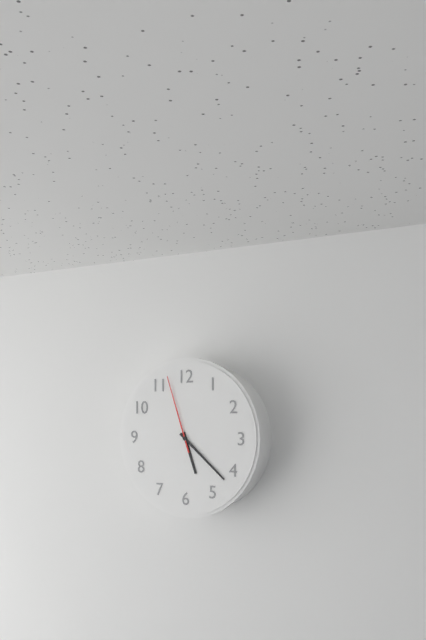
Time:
5h22m57s
